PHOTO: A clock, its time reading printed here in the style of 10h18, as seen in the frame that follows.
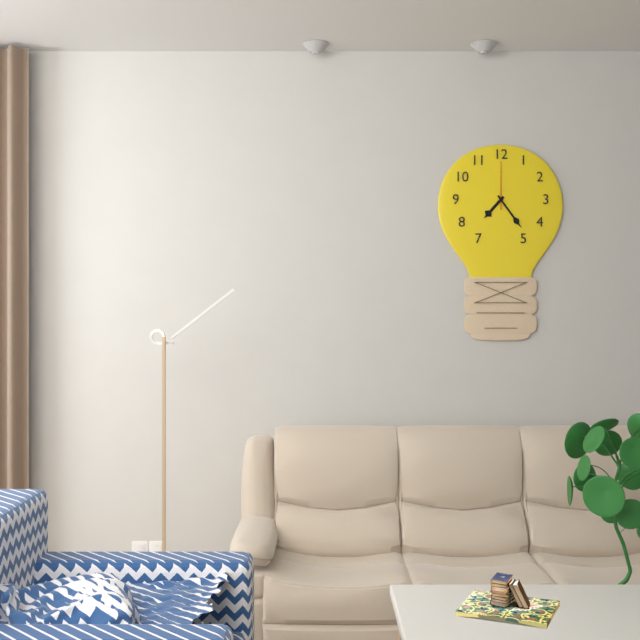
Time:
7h24
